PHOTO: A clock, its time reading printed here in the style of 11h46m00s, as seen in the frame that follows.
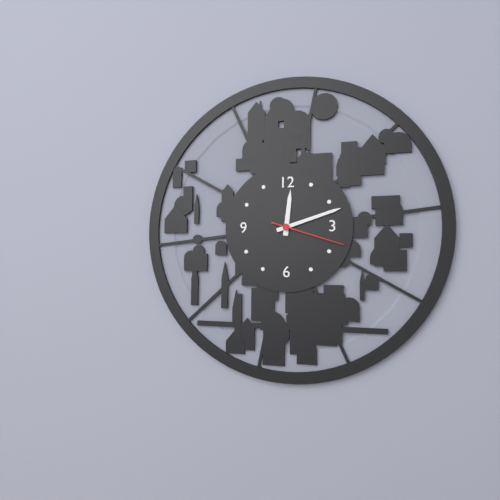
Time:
12h12m18s
